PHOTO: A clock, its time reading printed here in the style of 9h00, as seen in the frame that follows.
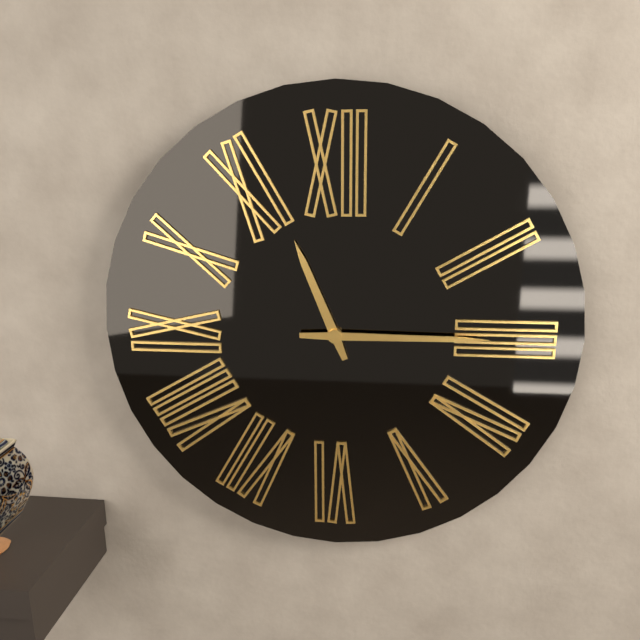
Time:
11h15
